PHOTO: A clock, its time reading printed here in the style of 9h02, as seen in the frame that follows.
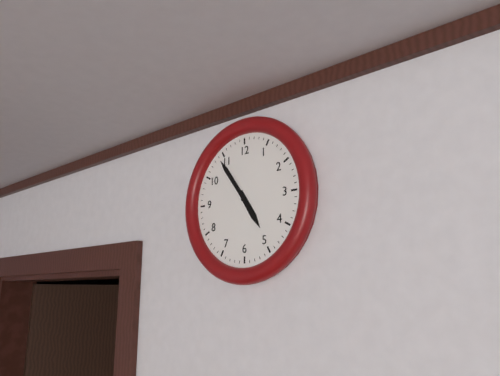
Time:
4h54
